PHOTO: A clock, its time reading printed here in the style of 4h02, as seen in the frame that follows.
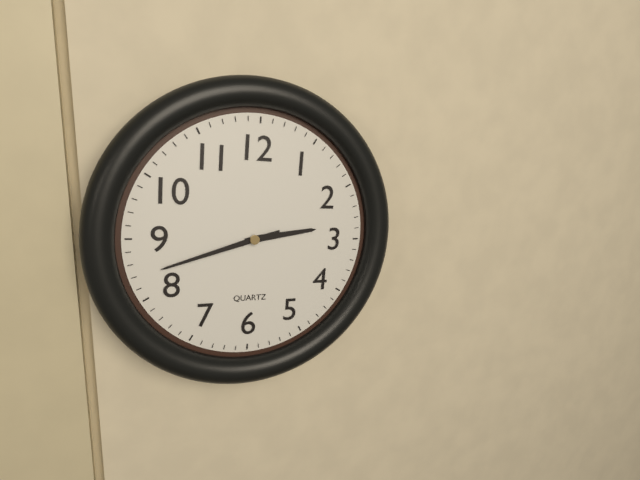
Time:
2h42
